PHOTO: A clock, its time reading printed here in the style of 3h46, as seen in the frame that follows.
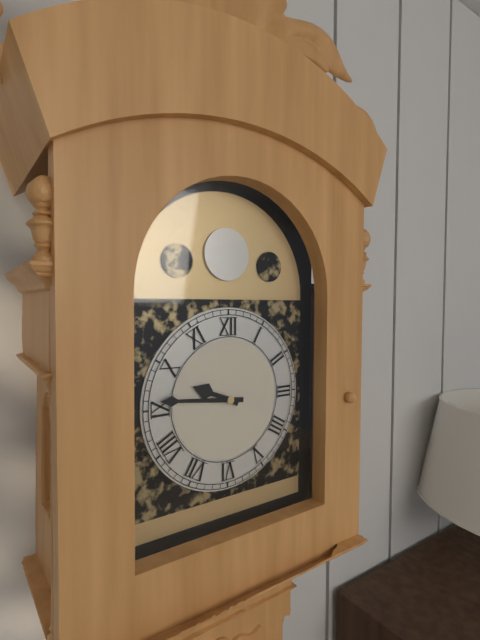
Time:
9h46
